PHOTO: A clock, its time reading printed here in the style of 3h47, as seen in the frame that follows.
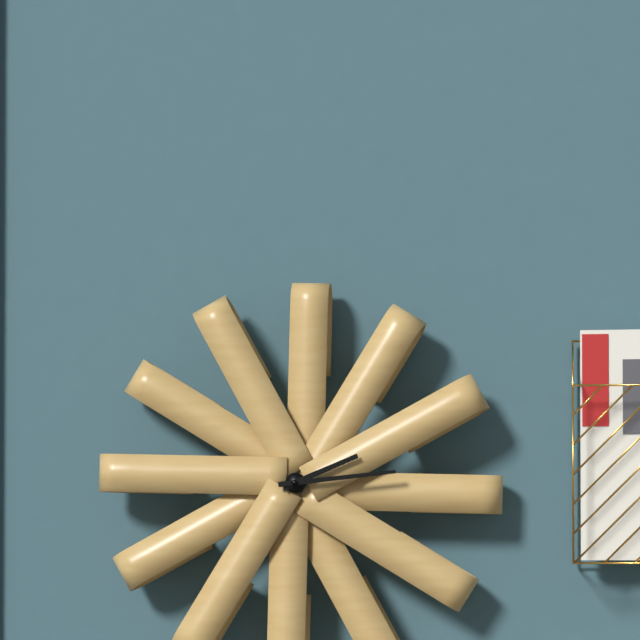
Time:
2h14
